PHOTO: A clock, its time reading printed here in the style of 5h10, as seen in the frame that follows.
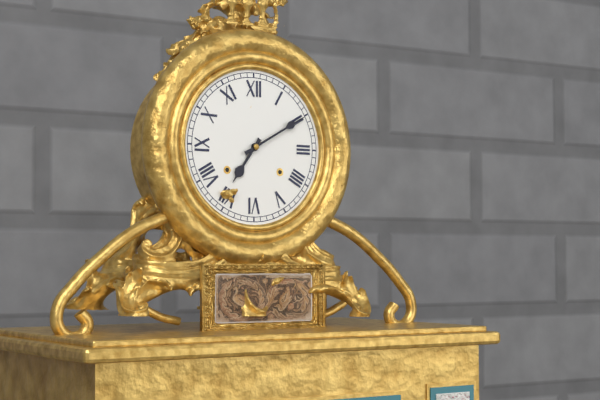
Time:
7h10
